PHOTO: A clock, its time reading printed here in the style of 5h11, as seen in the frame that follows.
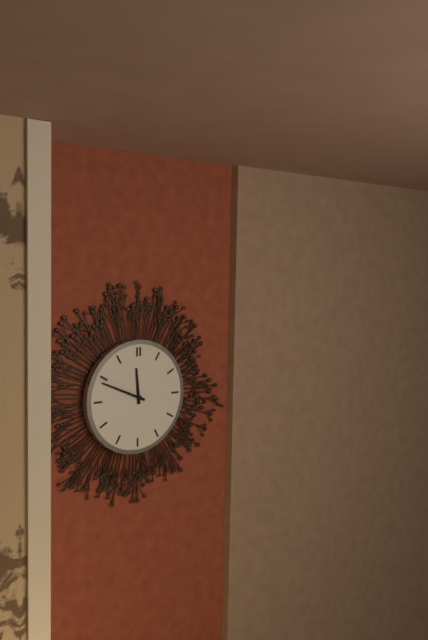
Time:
11h49
